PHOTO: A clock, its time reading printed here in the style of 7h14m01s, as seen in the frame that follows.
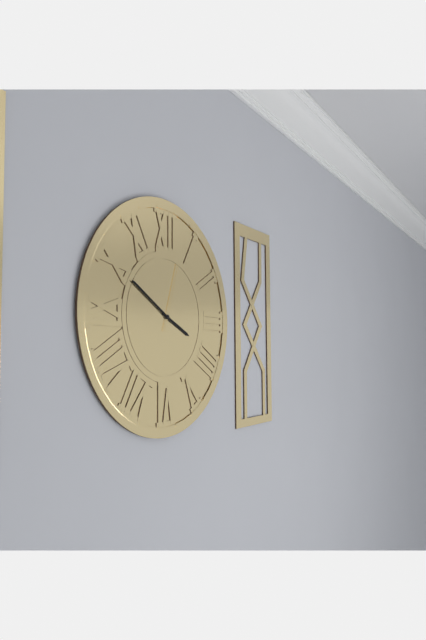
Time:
3h50m03s
